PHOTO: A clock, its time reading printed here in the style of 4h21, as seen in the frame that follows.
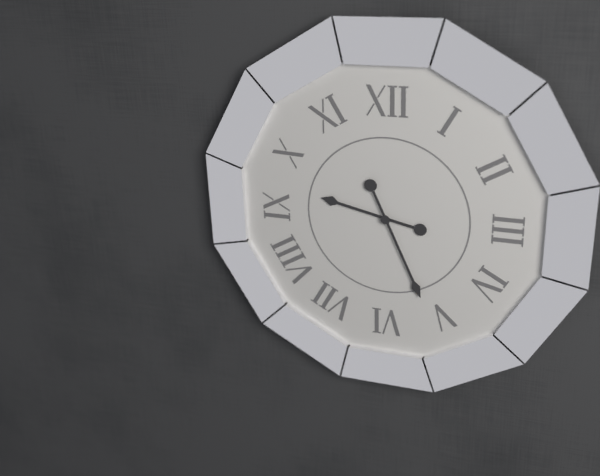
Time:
9h26
